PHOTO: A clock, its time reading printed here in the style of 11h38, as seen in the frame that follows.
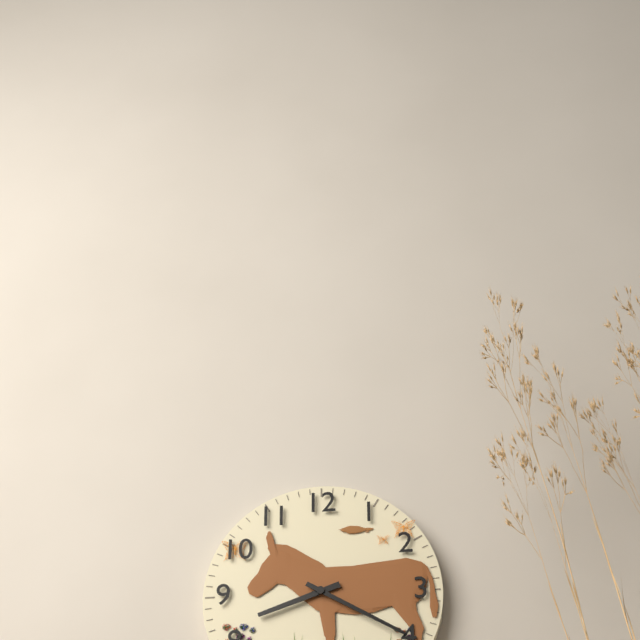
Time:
8h20
